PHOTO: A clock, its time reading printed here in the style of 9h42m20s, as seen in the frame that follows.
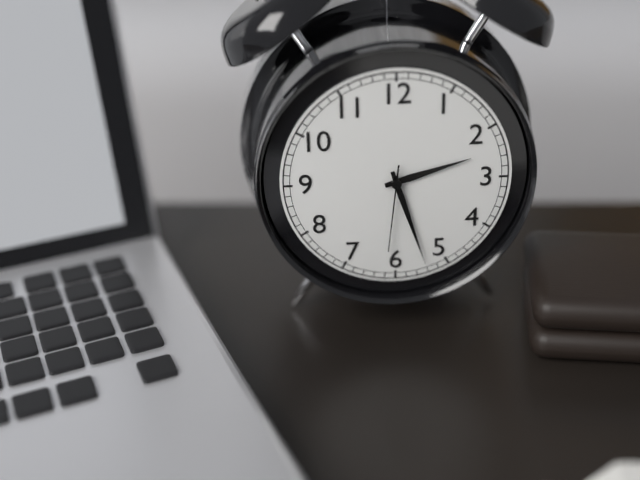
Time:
2h27m31s
